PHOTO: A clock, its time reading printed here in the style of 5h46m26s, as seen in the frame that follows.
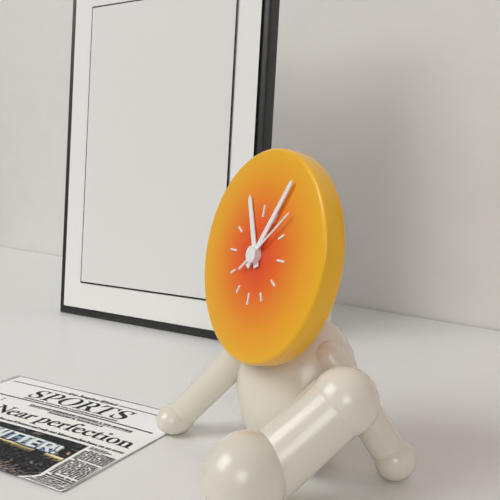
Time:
11h05m08s
